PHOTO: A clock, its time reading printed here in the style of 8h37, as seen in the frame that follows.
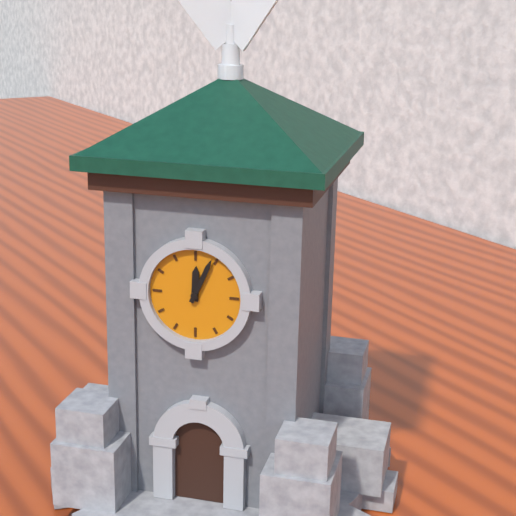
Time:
12h04
